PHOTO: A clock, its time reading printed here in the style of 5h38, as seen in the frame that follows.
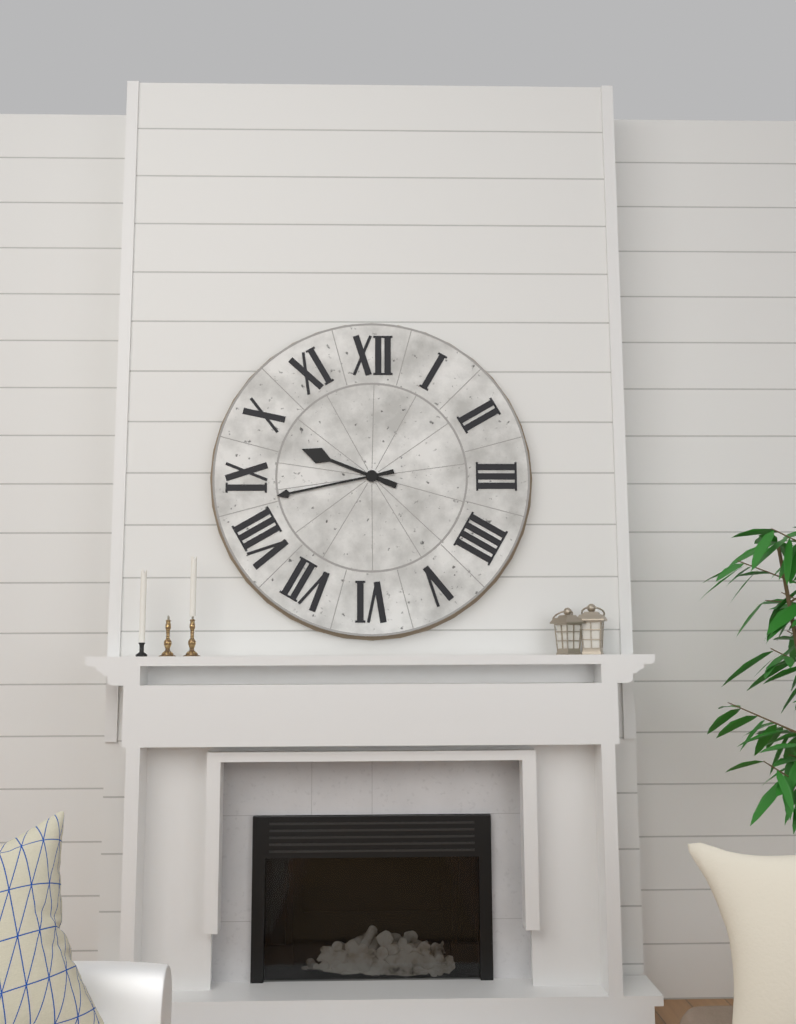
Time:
9h43
